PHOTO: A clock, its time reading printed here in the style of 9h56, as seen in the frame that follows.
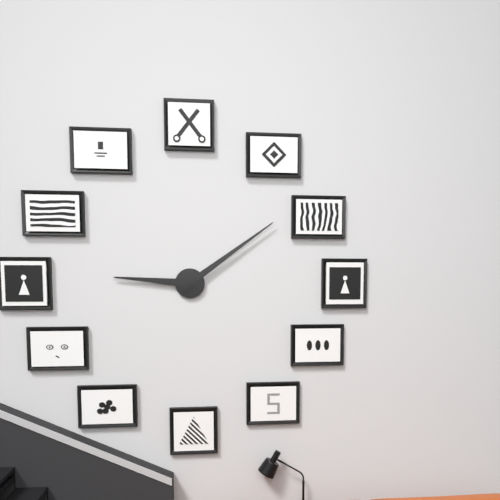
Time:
9h09
